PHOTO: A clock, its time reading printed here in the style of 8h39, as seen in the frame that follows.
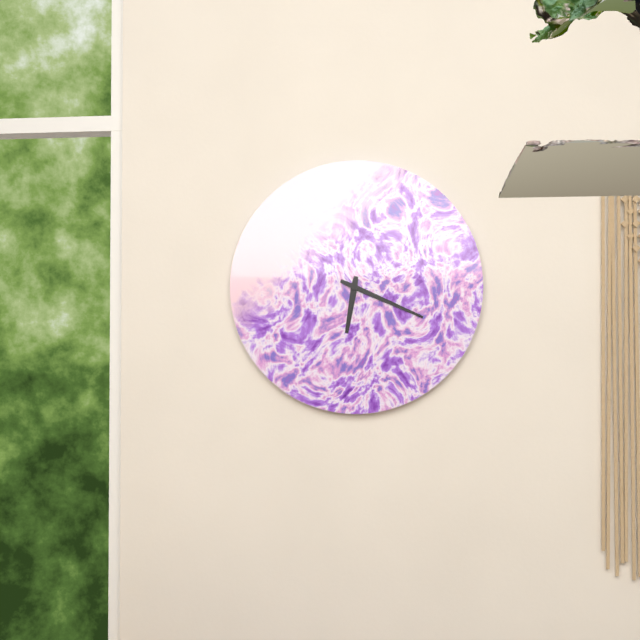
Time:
6h19
